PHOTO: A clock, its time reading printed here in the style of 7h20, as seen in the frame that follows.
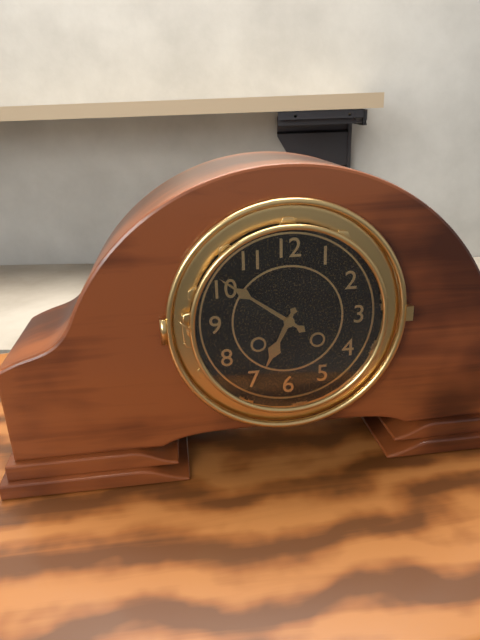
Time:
6h51
